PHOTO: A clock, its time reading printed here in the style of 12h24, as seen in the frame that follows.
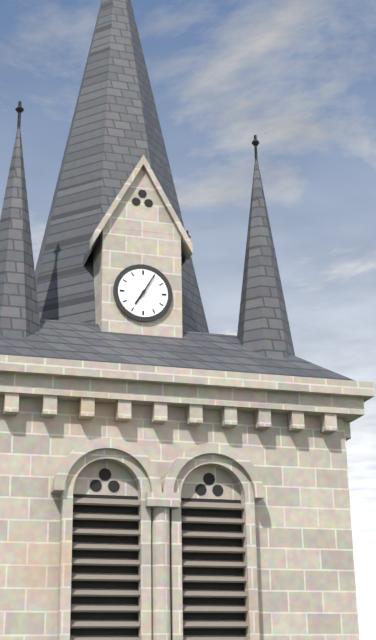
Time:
7h05
